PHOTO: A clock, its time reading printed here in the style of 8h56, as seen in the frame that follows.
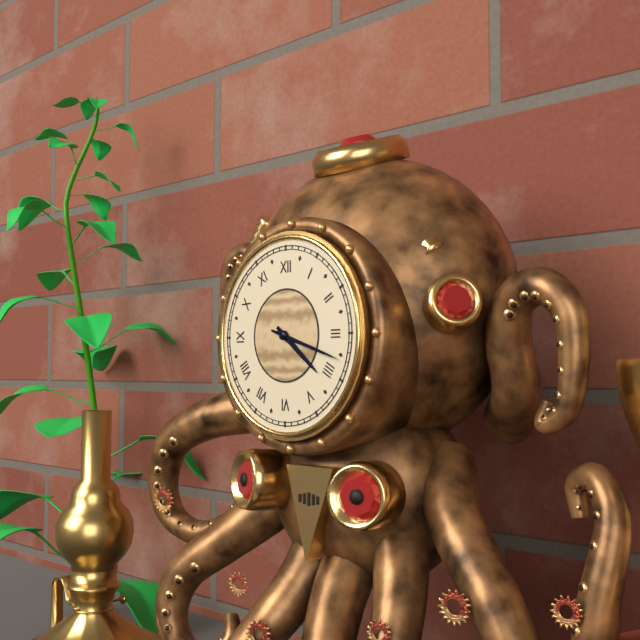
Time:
4h18
